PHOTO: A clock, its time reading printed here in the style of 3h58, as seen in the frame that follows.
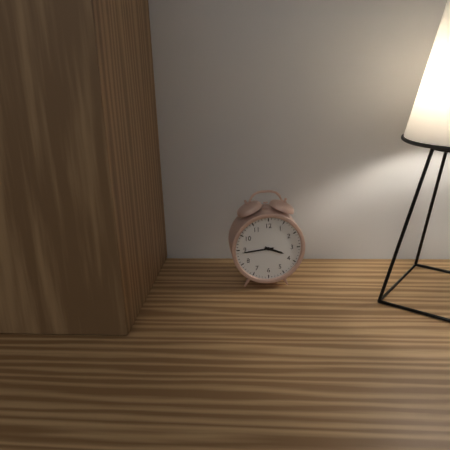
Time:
3h44
